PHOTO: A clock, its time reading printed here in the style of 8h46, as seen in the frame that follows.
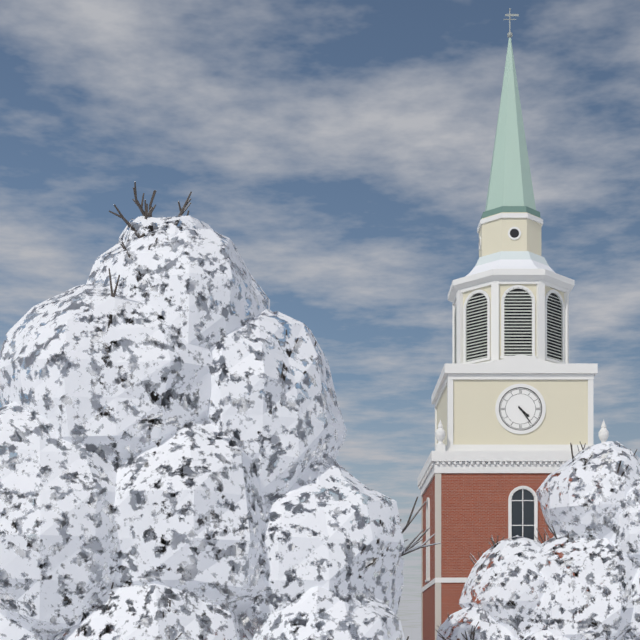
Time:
4h24
